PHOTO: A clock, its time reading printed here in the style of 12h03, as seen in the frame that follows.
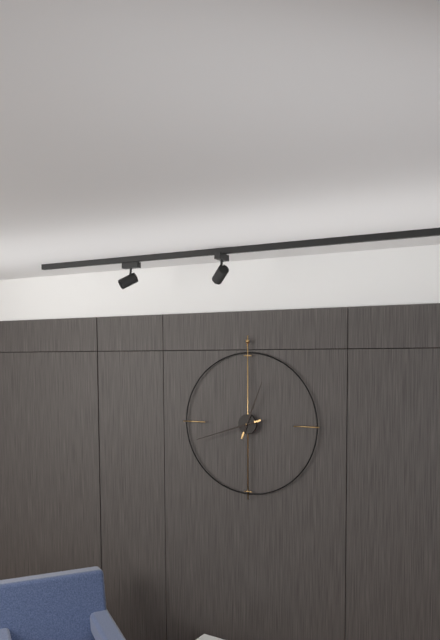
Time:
12h42
